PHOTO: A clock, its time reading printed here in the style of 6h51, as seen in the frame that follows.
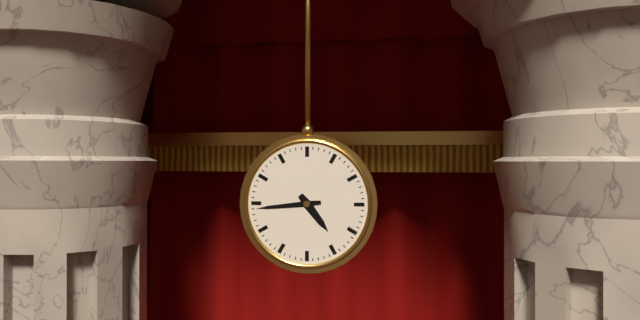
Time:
4h44
